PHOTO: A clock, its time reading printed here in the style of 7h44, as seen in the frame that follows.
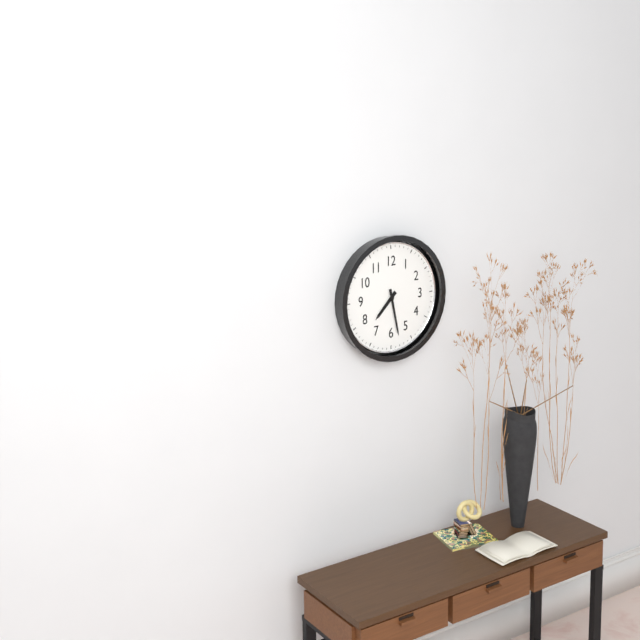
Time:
7h28
